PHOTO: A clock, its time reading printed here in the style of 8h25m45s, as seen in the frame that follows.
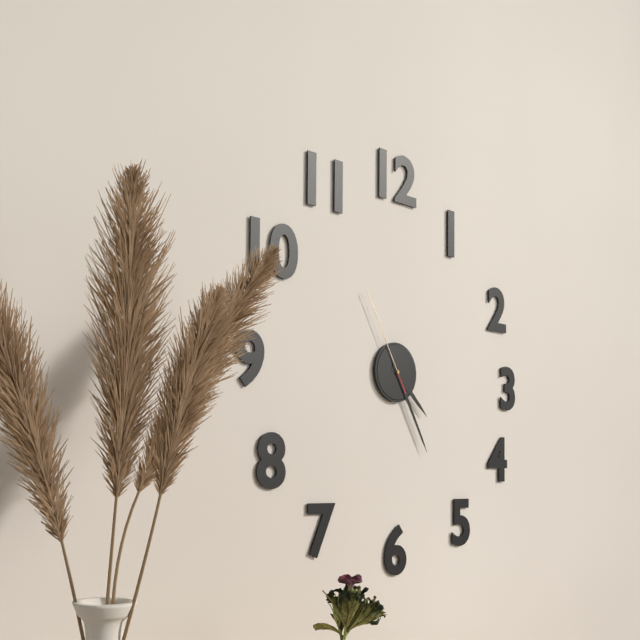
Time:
4h25m55s
